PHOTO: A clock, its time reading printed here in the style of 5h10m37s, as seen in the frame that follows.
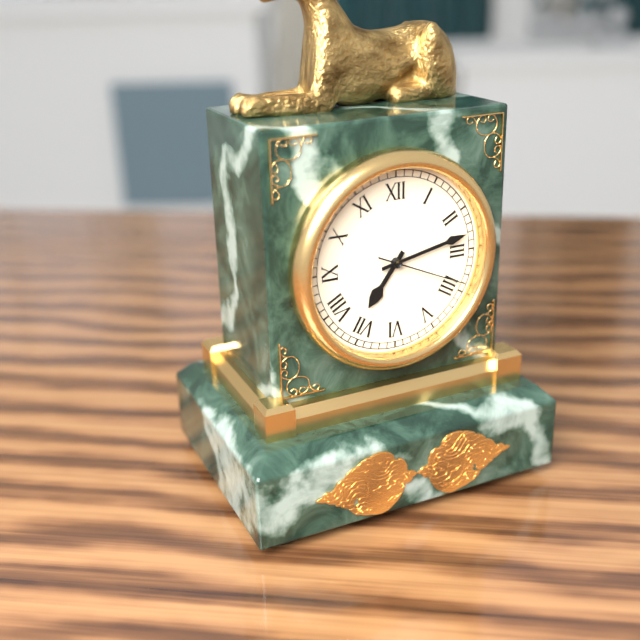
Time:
7h13m19s
